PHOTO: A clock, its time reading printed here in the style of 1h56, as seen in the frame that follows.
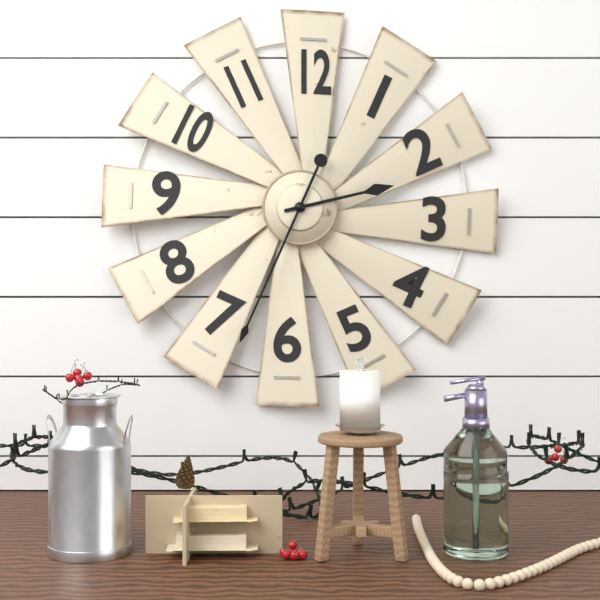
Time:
2h34
